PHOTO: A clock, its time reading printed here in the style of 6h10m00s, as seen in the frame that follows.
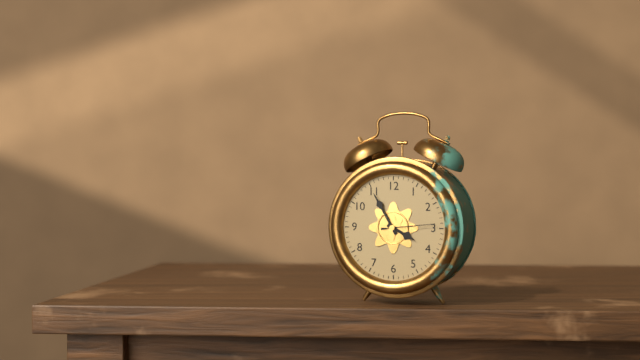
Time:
3h55m14s
